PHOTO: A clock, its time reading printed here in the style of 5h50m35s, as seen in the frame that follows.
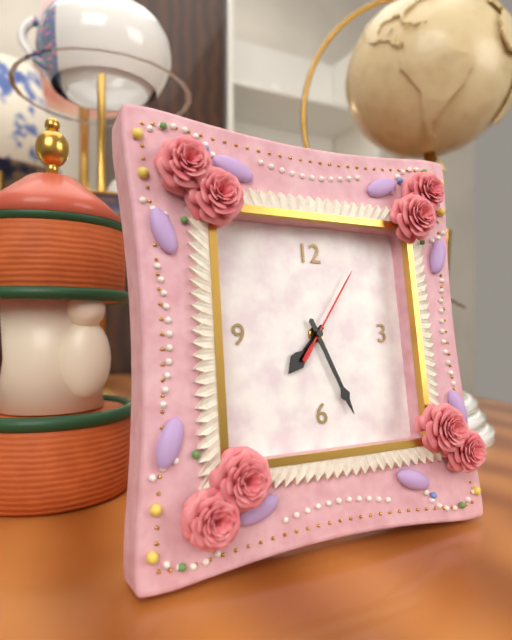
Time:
7h26m06s
